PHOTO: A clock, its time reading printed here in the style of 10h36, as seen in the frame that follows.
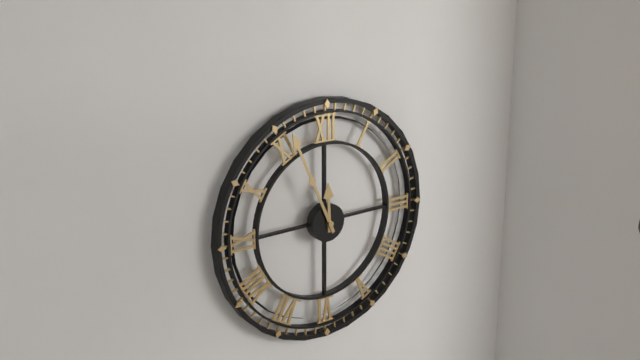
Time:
11h56
